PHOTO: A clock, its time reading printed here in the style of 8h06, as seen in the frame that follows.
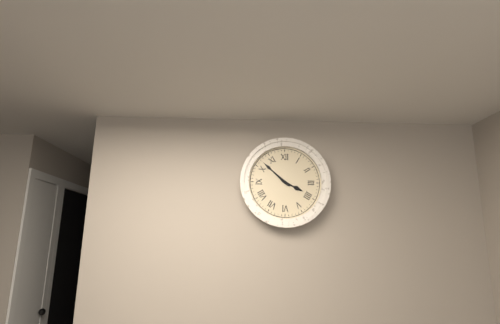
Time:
3h52
